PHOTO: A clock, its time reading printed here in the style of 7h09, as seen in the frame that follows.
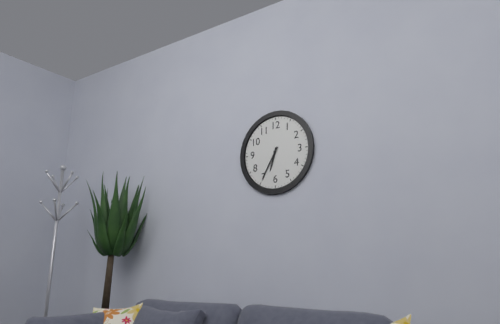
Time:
6h35
